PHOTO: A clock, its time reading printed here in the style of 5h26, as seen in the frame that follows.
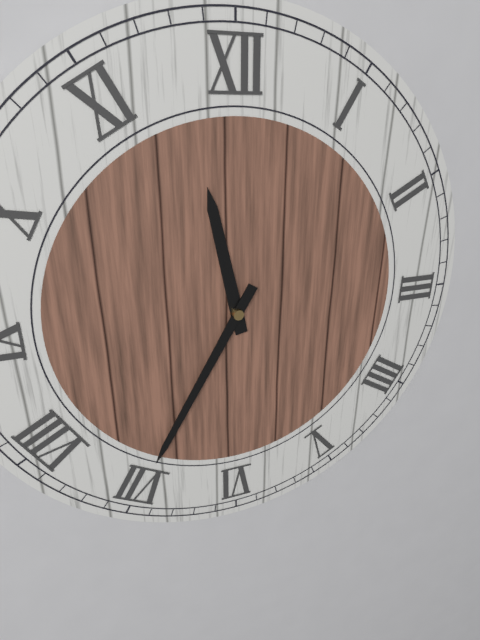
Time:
11h35
